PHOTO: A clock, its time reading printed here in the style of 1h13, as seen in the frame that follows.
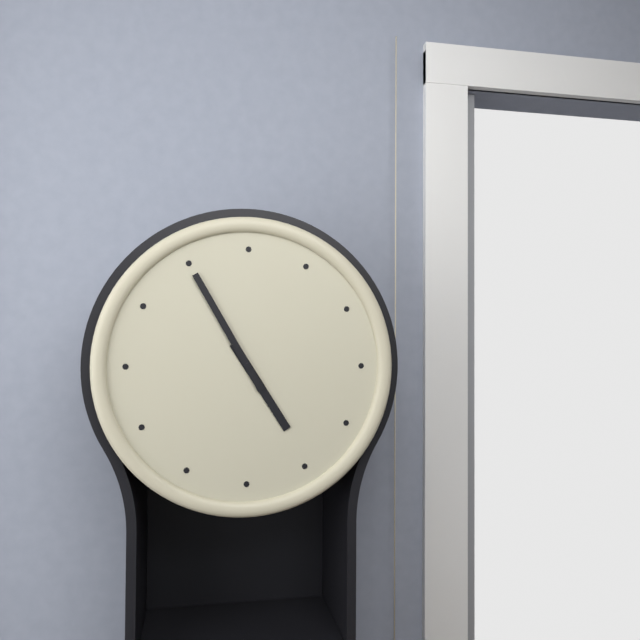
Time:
4h55
